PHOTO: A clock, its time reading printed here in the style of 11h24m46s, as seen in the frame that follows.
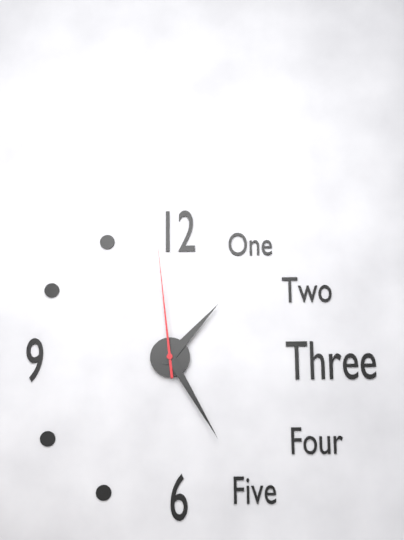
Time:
1h25m59s
